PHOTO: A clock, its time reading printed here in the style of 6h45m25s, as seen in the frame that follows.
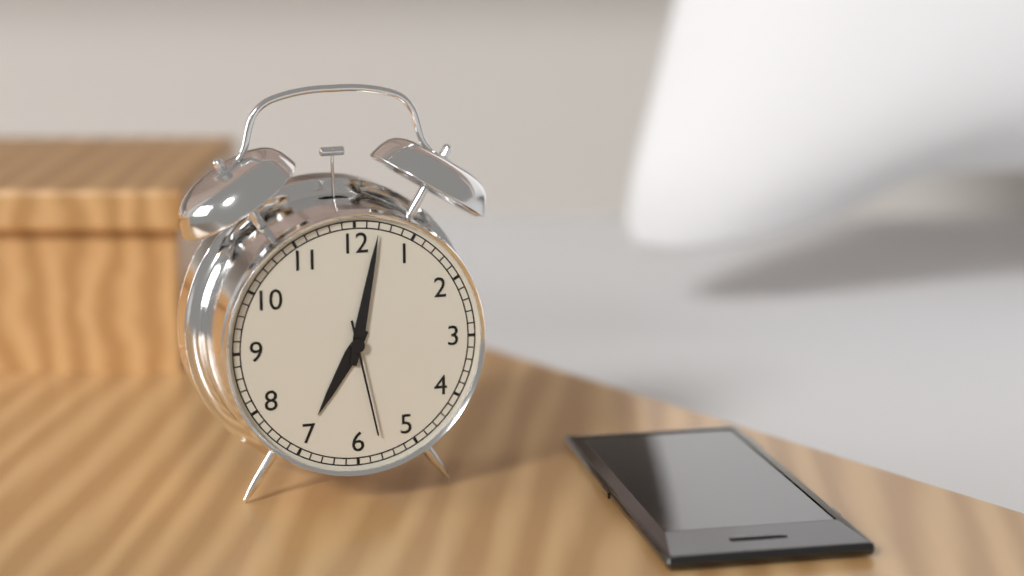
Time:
7h02m28s
